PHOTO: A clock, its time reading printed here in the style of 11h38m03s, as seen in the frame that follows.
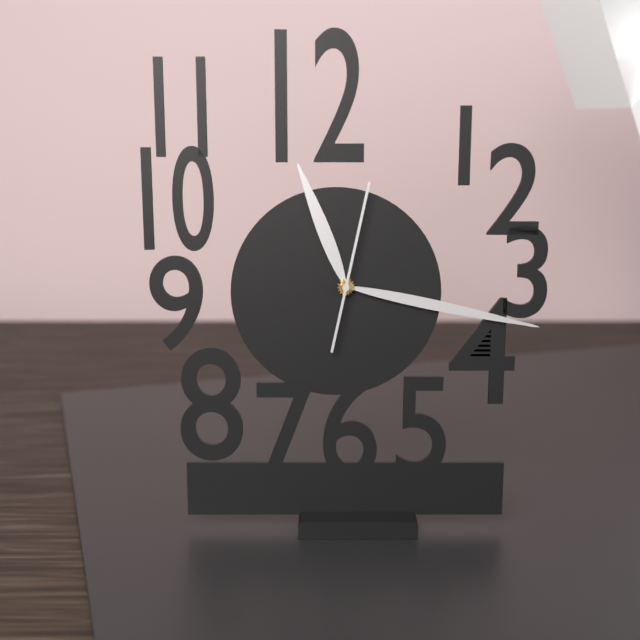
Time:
11h17m02s
